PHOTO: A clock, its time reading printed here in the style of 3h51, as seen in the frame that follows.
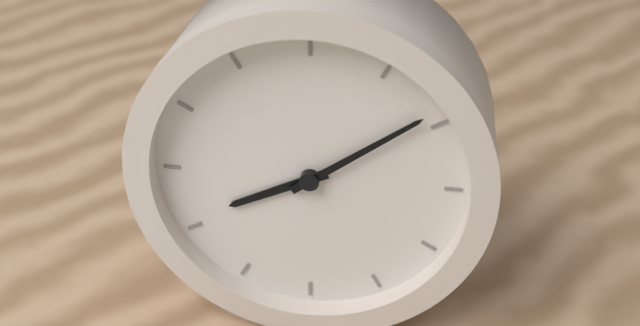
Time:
8h09
